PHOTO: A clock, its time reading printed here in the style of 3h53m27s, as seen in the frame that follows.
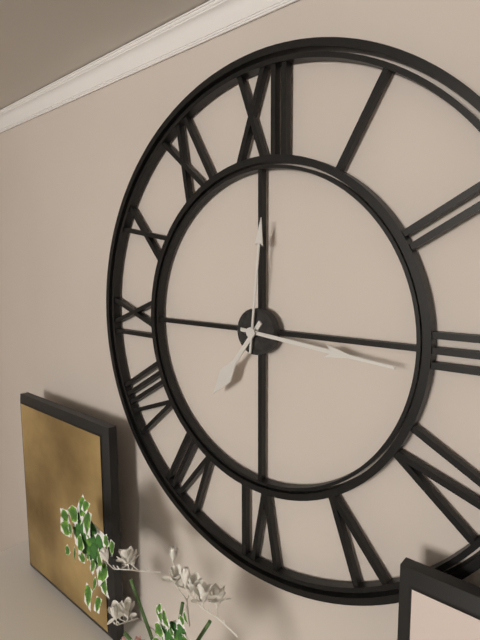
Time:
7h16m01s
